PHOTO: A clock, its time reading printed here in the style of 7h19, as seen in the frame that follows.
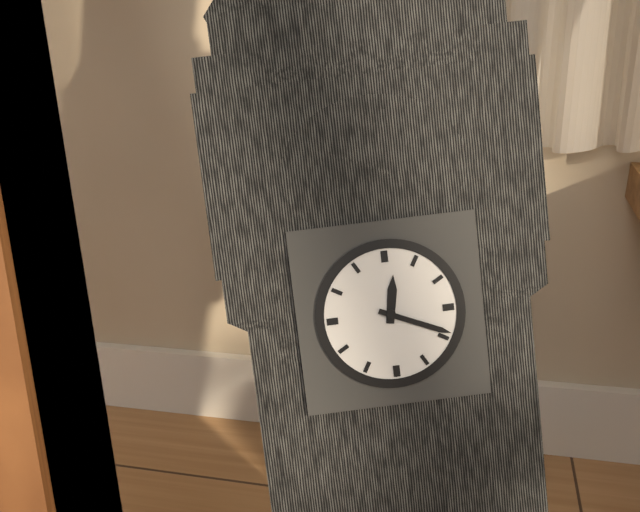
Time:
12h19
